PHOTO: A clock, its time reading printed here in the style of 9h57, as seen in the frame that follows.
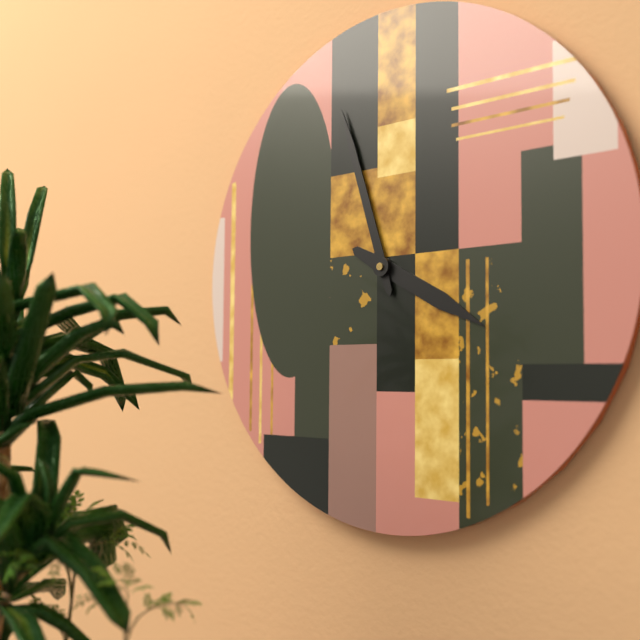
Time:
3h57
